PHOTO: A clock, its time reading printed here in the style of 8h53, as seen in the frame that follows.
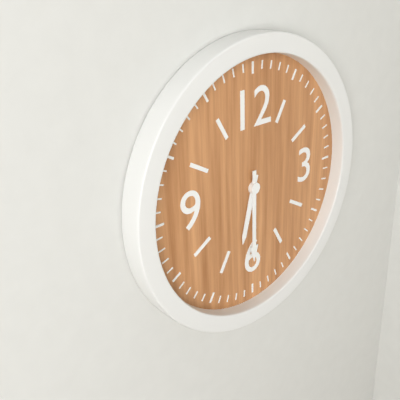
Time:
6h30
